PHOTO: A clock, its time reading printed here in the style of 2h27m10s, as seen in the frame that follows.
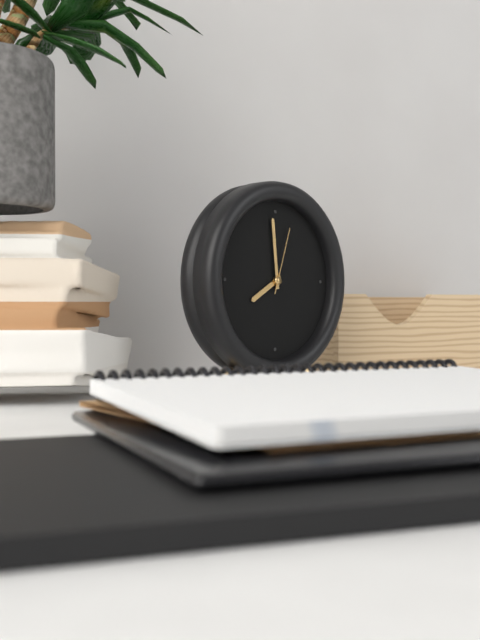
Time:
7h59m03s
